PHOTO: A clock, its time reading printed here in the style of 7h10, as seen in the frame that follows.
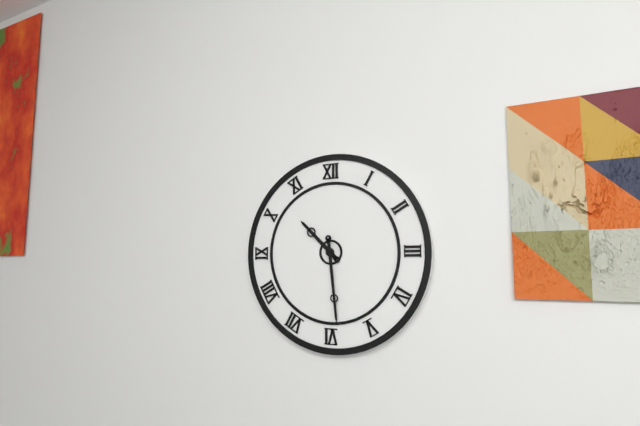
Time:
10h29
